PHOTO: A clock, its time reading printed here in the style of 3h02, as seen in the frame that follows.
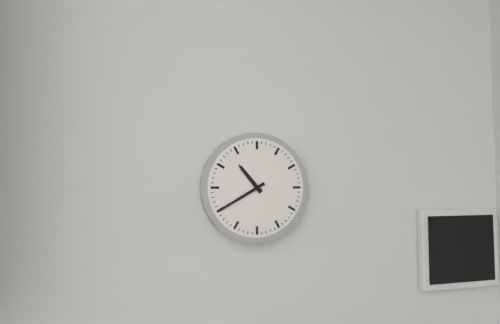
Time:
10h40
